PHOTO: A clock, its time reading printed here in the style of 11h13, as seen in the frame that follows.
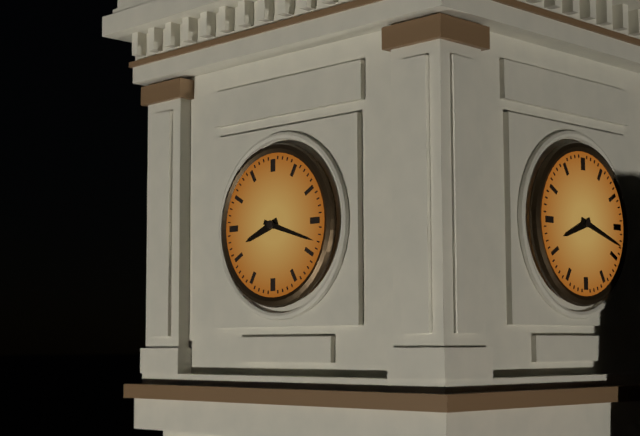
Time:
8h18
